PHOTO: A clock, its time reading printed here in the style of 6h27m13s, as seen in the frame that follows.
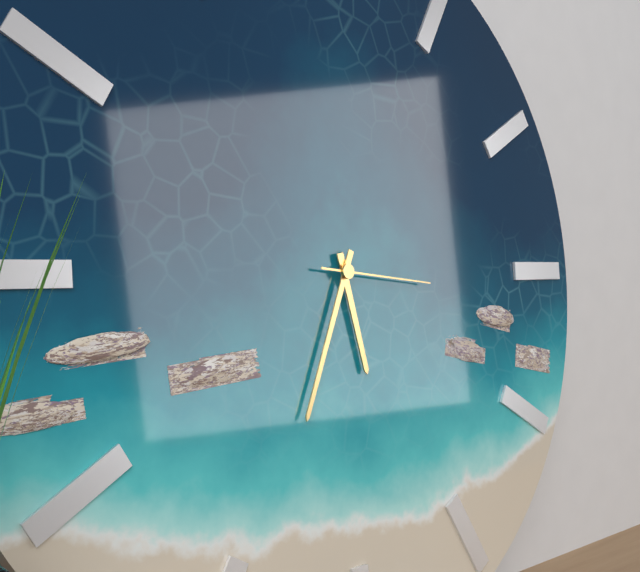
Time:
5h34m16s
